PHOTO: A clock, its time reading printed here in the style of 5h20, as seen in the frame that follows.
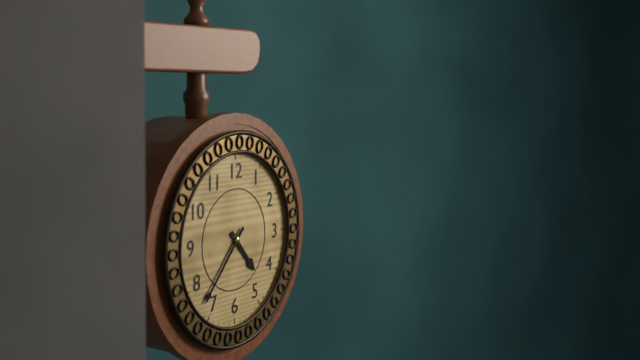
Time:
4h37
